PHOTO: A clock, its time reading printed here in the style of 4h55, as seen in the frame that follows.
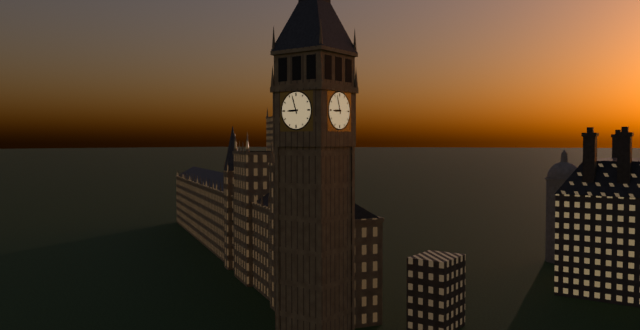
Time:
8h57
